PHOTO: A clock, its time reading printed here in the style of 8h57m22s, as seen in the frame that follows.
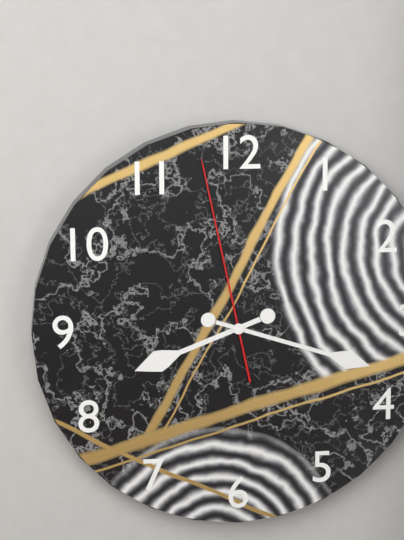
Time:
8h18m58s
